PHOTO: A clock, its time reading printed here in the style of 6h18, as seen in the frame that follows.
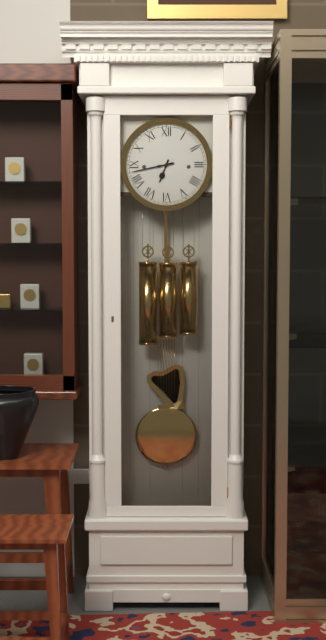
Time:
6h43
